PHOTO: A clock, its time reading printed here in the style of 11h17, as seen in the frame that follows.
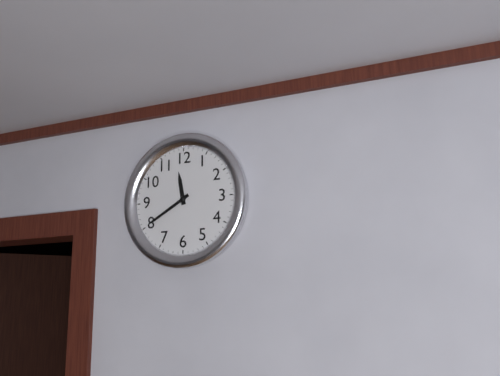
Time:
11h40
